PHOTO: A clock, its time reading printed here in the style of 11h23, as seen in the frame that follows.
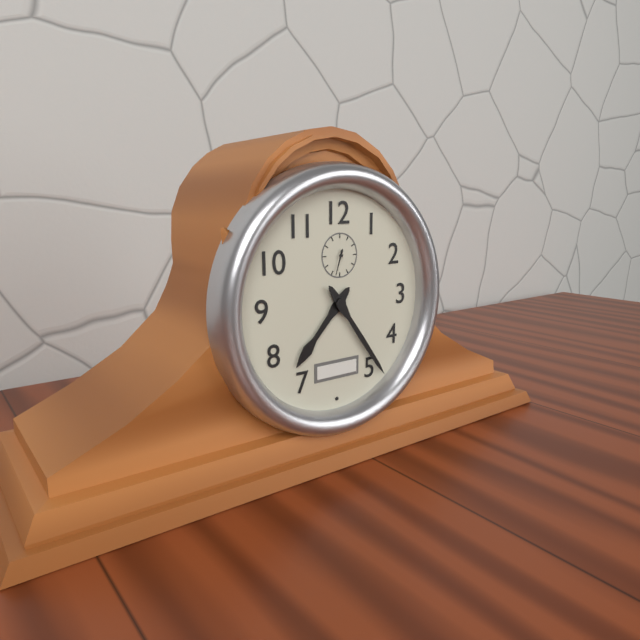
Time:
7h24
